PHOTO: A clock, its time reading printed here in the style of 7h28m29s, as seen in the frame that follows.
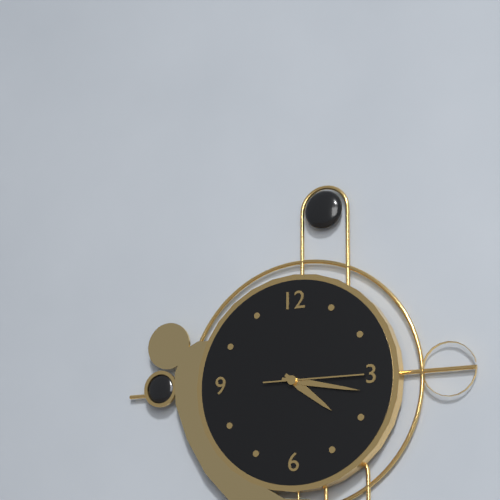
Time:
4h17m15s
